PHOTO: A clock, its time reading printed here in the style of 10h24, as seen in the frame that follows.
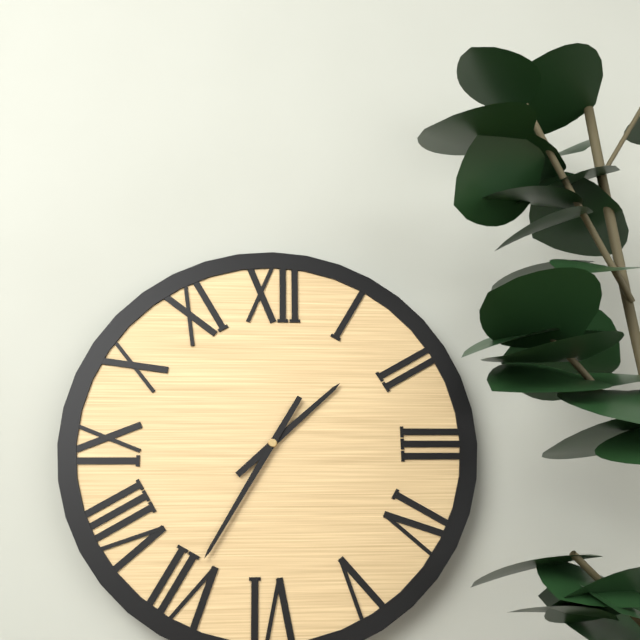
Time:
1h35
